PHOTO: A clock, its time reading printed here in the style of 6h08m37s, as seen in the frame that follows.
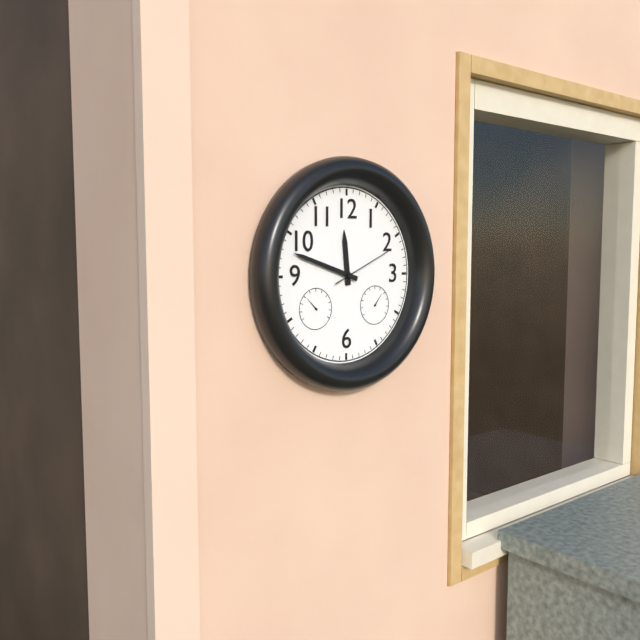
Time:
11h48m11s
